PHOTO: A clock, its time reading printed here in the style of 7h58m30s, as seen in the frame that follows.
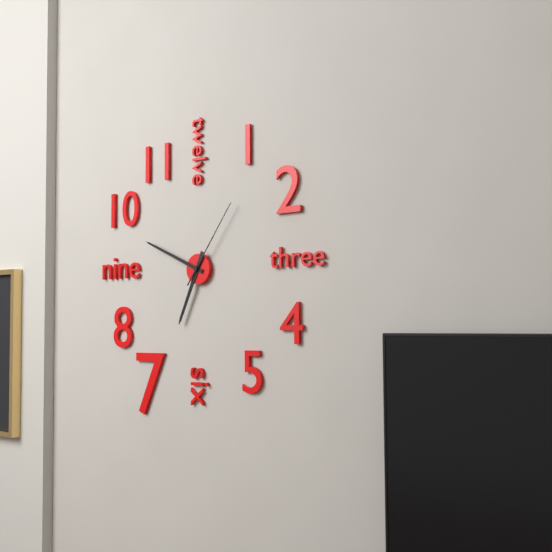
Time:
6h49m06s
